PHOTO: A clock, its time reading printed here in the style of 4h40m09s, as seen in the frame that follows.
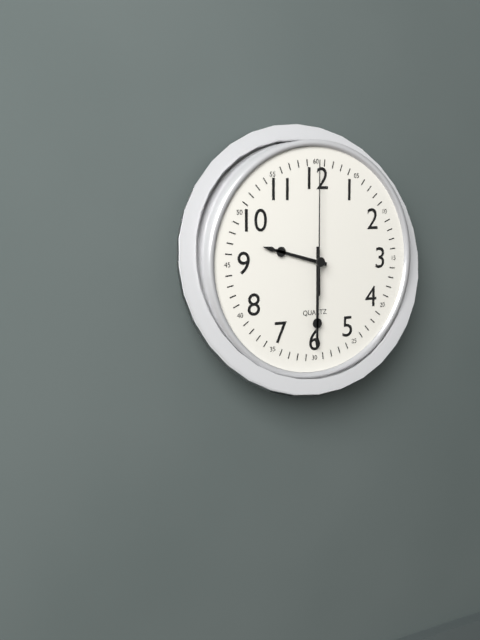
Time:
9h30m00s
